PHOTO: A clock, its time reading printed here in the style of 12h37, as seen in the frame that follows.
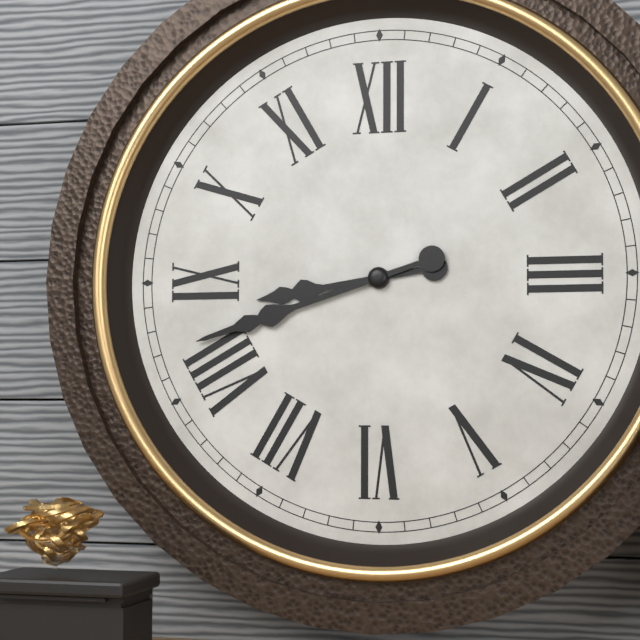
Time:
8h42
